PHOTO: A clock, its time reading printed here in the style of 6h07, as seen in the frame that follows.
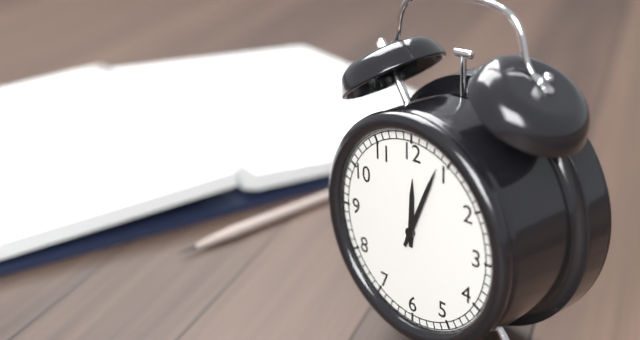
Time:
12h04
